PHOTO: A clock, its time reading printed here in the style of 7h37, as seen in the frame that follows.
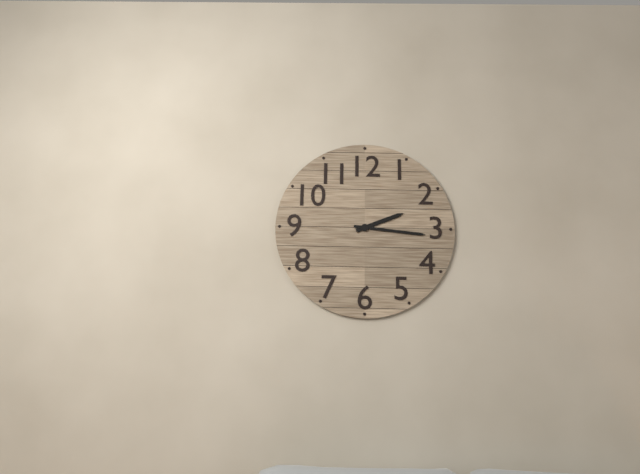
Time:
2h16
